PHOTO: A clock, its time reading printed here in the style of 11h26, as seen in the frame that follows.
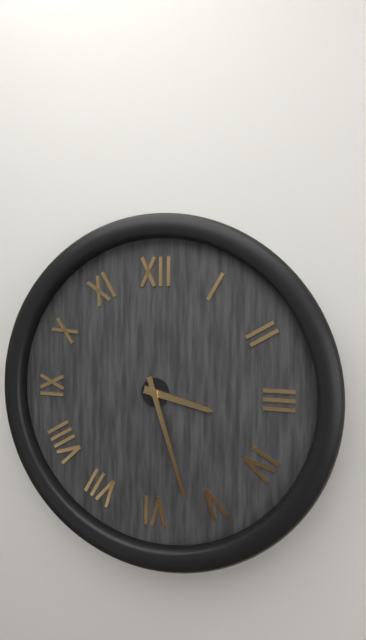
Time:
3h27
